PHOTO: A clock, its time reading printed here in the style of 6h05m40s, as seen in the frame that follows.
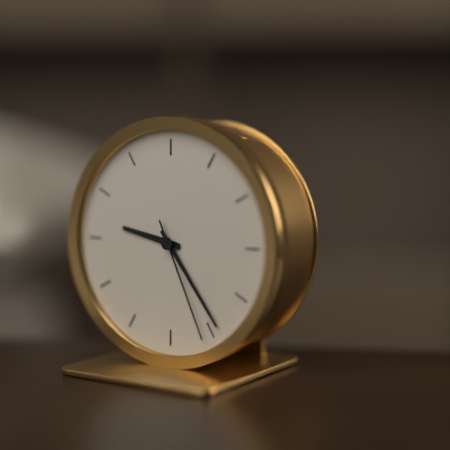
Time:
9h24m26s
